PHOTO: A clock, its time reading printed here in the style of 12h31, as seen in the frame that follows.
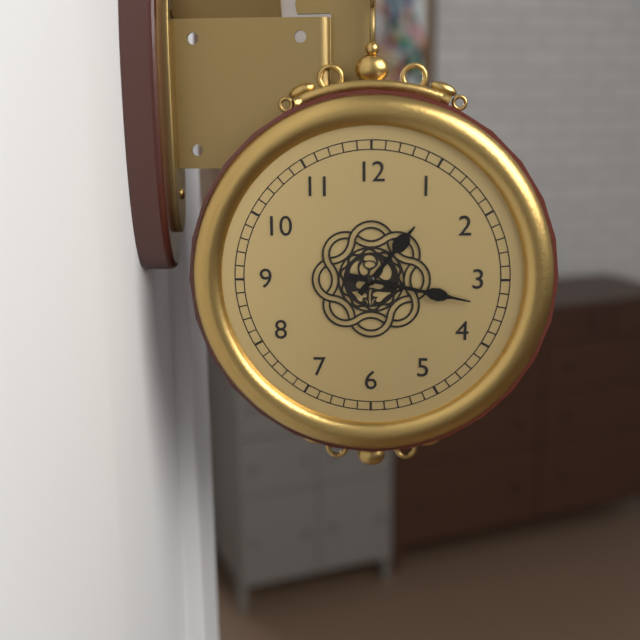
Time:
1h17
